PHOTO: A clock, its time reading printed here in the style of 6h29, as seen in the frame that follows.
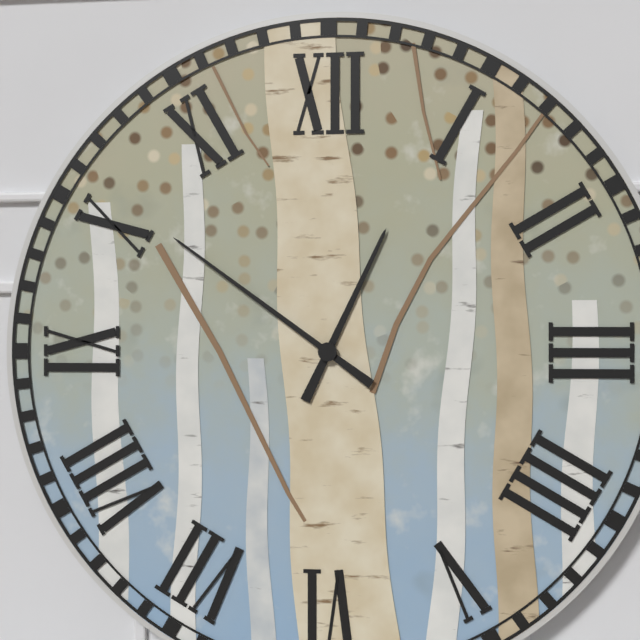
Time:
12h51
